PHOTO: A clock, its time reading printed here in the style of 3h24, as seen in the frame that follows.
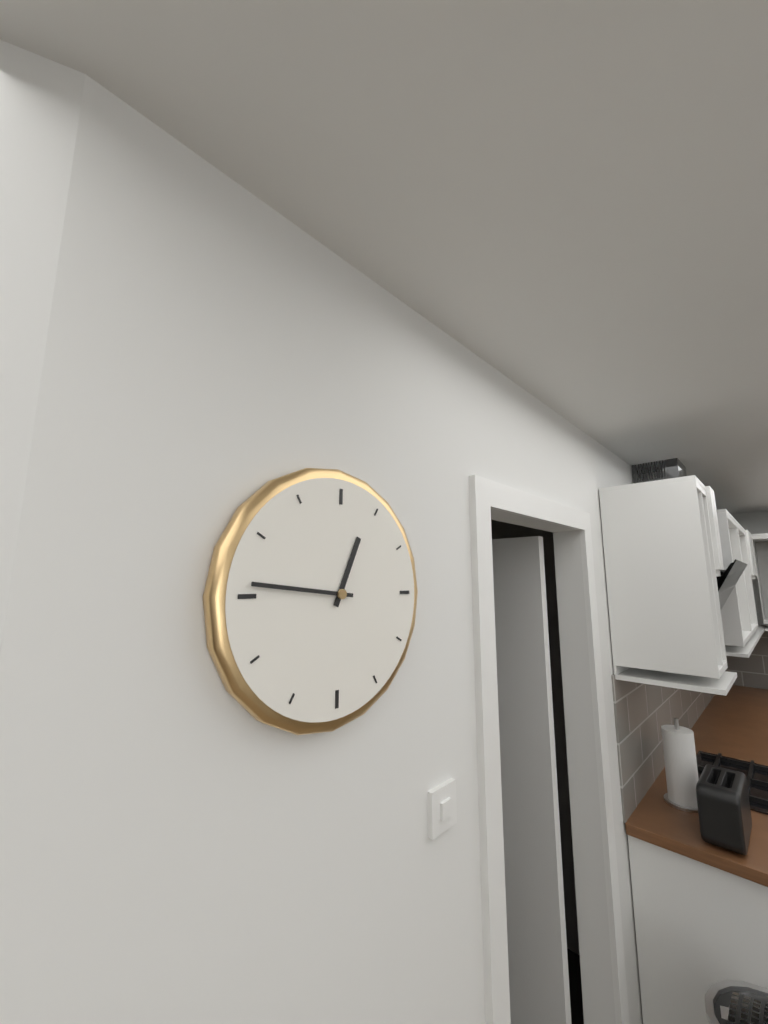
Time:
12h46
